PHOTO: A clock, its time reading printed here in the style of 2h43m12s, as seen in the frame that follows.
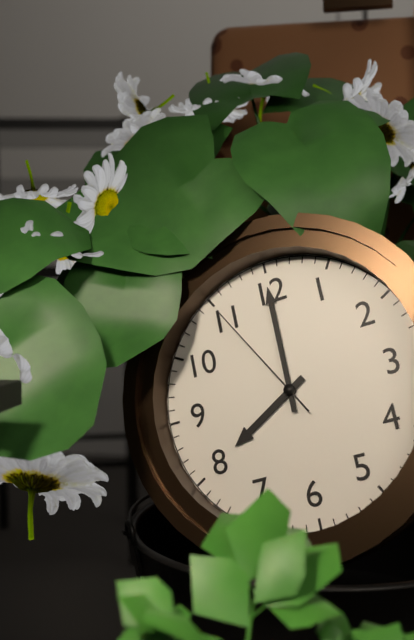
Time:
8h00m55s
